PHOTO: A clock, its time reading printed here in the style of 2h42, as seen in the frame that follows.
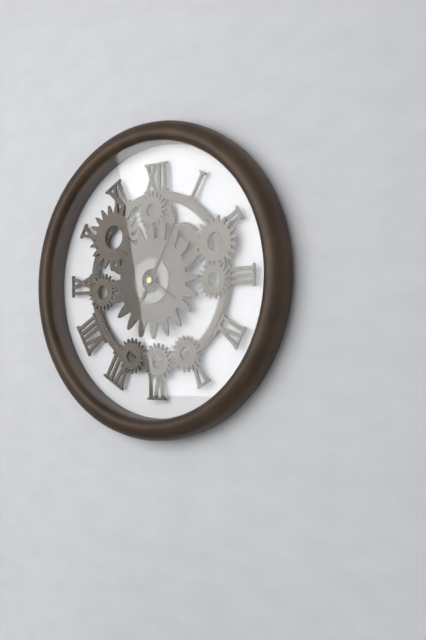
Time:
4h05
